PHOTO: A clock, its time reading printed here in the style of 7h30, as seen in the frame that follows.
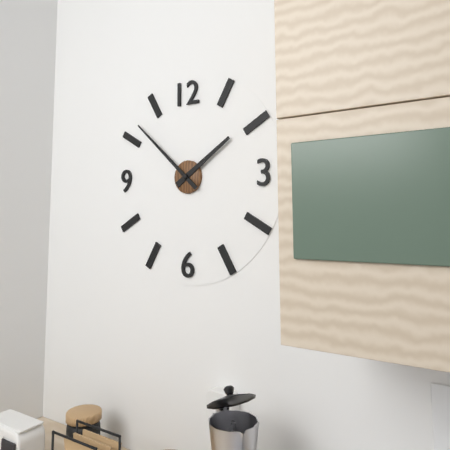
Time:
1h52
